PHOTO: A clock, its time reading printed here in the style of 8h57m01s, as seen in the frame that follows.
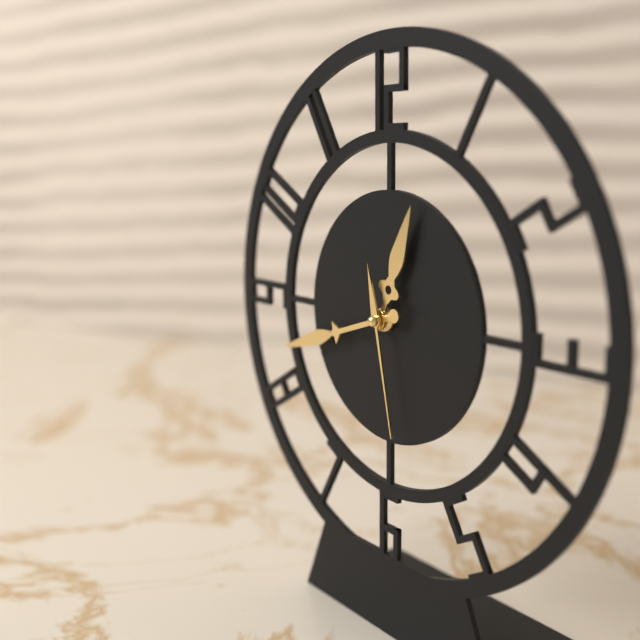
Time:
12h42m28s
